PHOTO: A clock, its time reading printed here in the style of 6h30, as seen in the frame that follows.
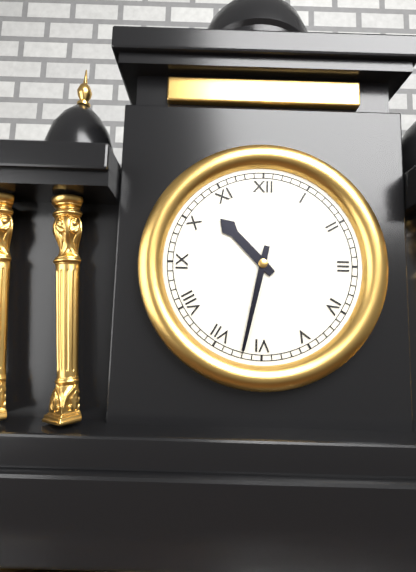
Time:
10h32
